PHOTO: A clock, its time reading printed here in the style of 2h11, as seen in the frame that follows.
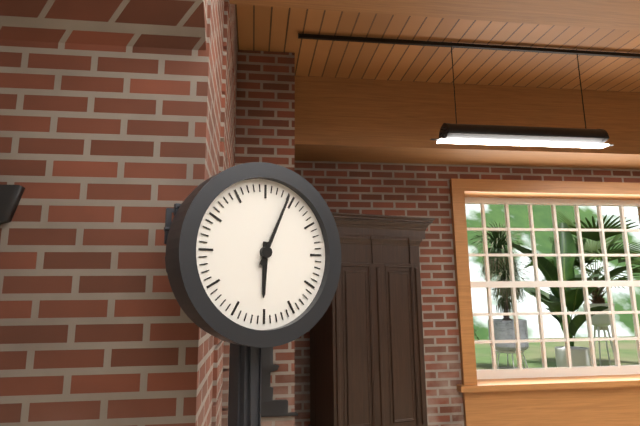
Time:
6h04
